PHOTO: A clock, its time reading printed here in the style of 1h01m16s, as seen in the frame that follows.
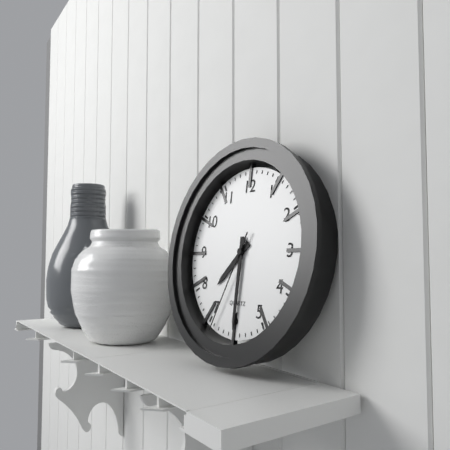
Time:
7h30m34s
